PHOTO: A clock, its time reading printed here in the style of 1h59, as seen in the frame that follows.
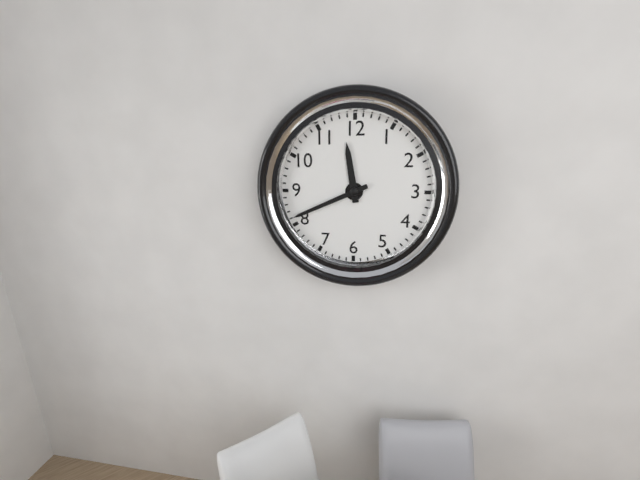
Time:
11h41
